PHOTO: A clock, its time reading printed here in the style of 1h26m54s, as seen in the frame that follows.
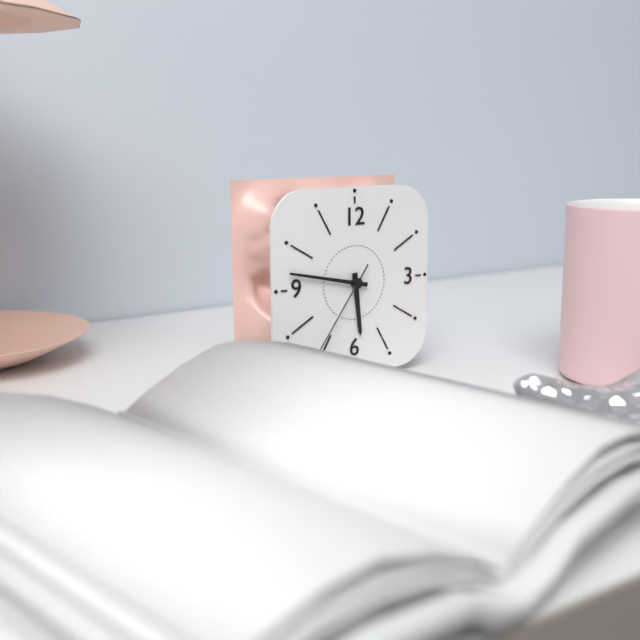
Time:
5h47m36s
